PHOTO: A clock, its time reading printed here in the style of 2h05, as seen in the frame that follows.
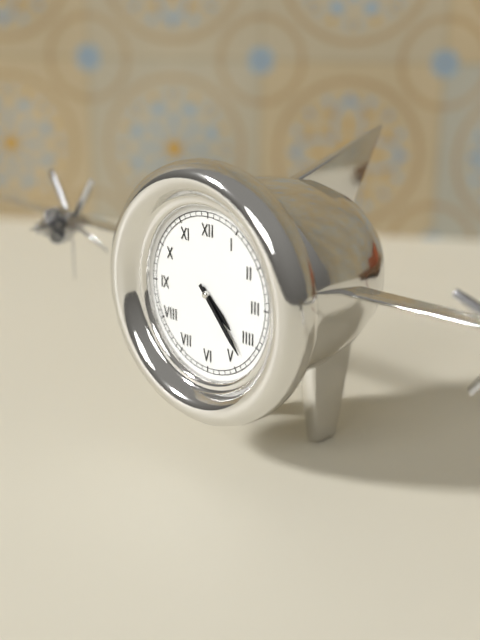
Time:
4h23
